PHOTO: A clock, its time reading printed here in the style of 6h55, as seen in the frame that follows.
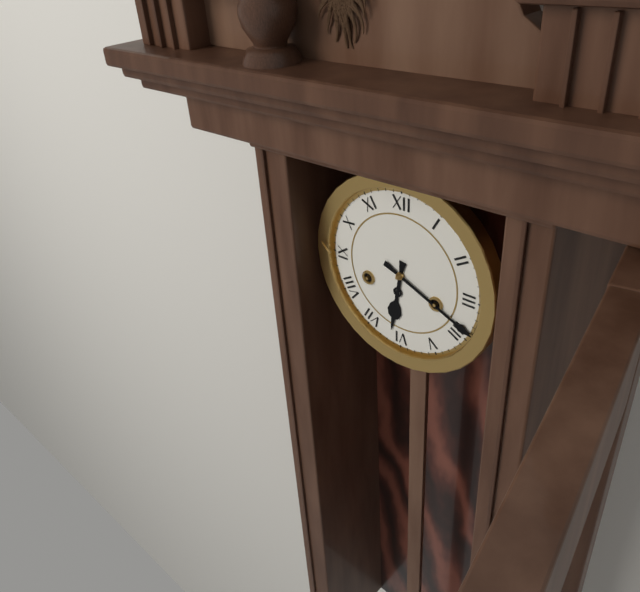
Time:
6h19
